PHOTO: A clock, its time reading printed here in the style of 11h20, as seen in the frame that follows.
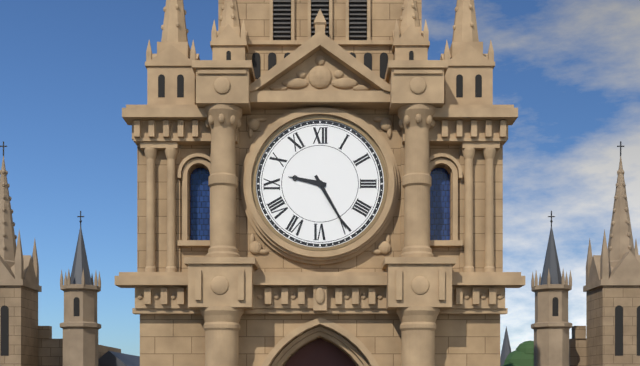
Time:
9h25
